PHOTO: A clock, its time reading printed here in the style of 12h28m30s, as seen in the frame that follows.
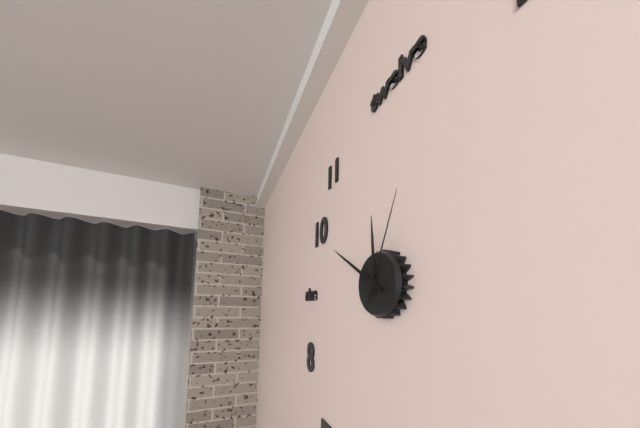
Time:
11h50m04s
